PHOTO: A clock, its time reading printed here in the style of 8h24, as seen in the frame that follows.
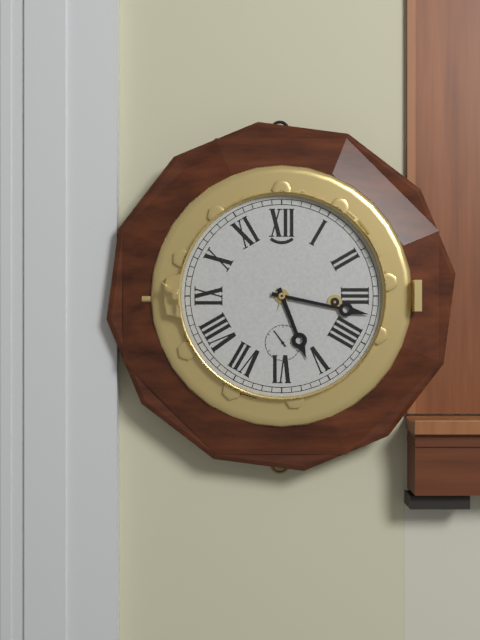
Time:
5h17
